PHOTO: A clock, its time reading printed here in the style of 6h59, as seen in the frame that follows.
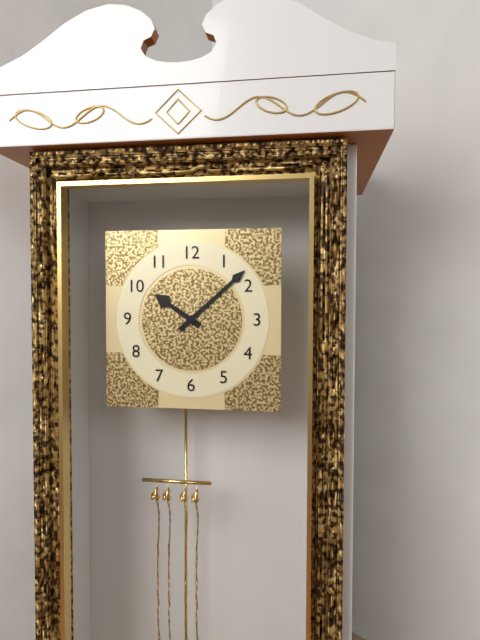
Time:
10h08
